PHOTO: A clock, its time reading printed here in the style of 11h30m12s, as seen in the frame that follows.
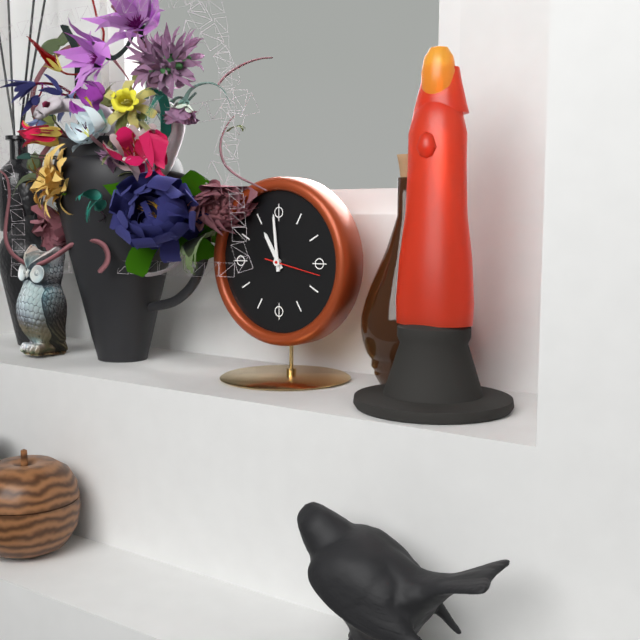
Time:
10h59m17s
